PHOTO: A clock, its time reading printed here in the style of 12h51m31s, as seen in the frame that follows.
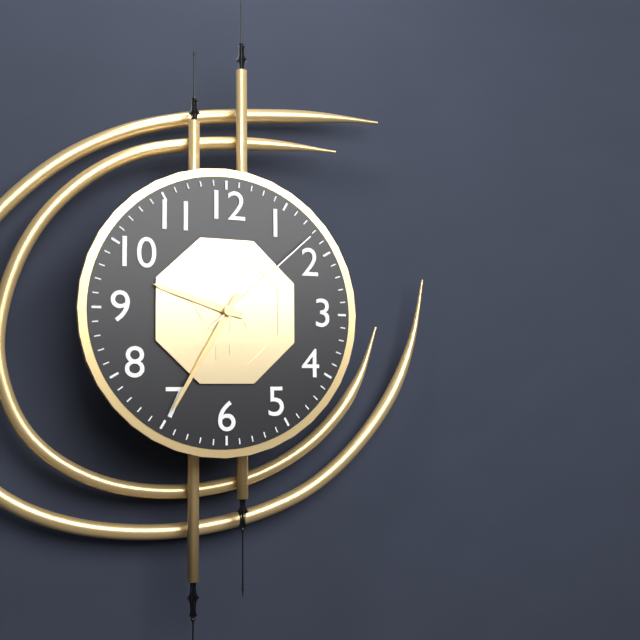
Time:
9h35m08s
